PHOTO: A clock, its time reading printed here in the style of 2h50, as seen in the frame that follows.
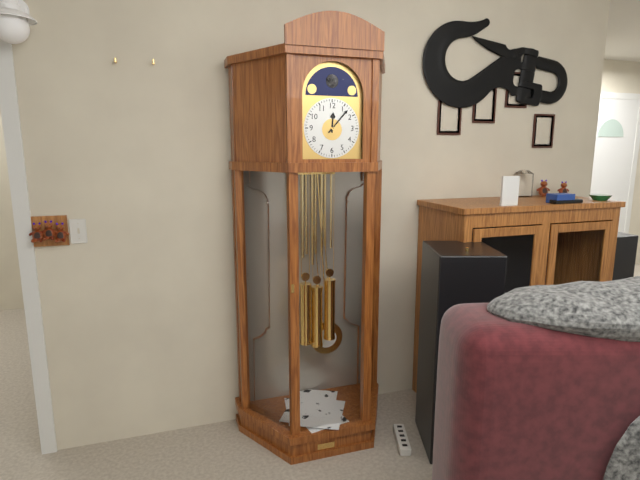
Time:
12h07
